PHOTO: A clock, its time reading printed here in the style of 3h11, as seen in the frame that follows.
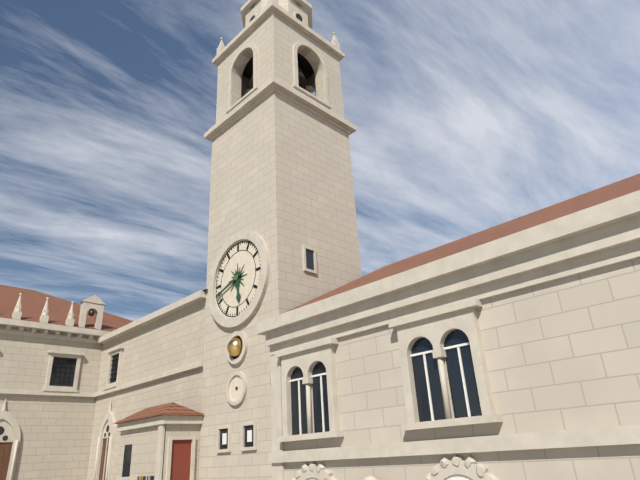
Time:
5h42
